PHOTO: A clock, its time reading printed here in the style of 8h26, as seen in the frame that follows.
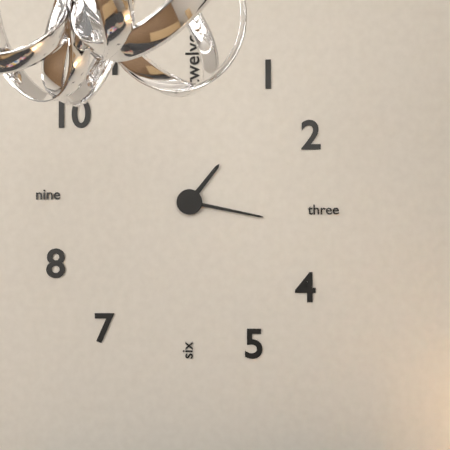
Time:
1h17
